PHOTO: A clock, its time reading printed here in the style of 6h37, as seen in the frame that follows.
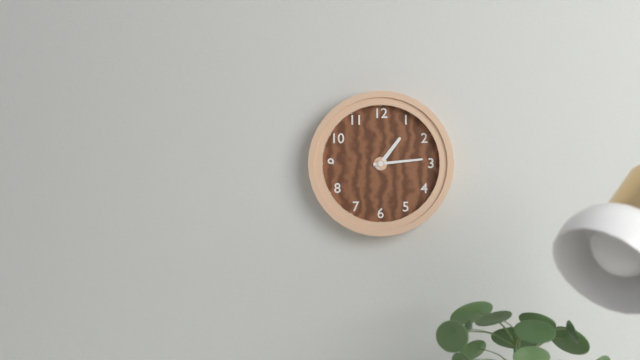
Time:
1h14
